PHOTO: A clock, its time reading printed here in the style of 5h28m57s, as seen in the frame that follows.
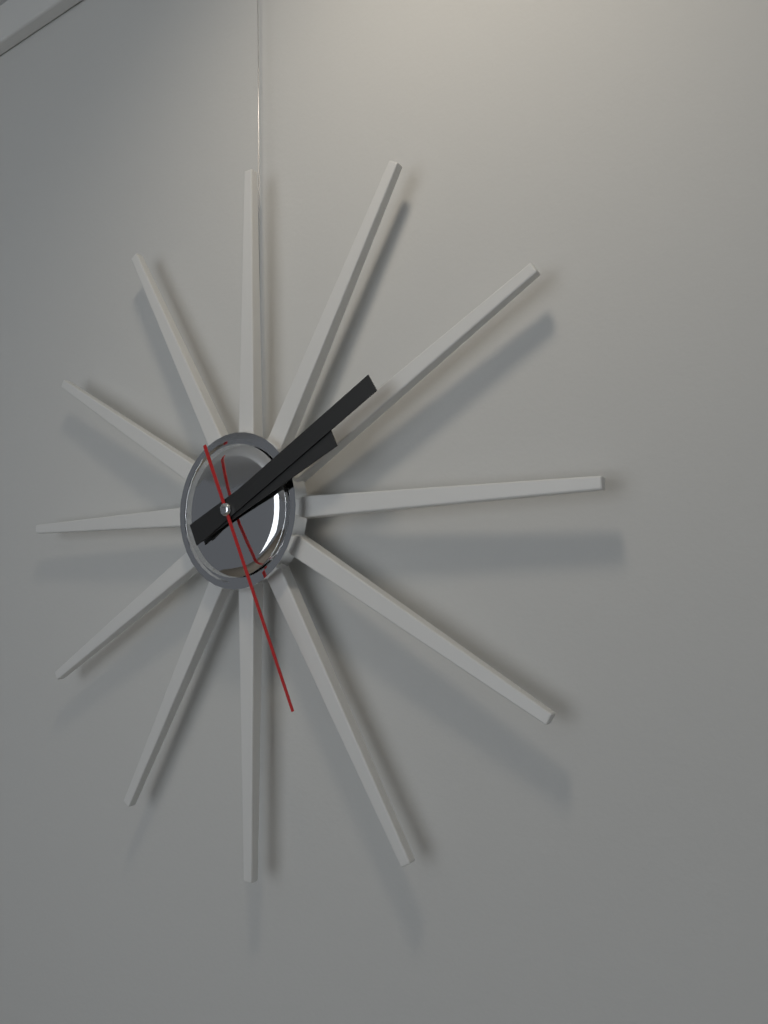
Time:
2h10m26s
